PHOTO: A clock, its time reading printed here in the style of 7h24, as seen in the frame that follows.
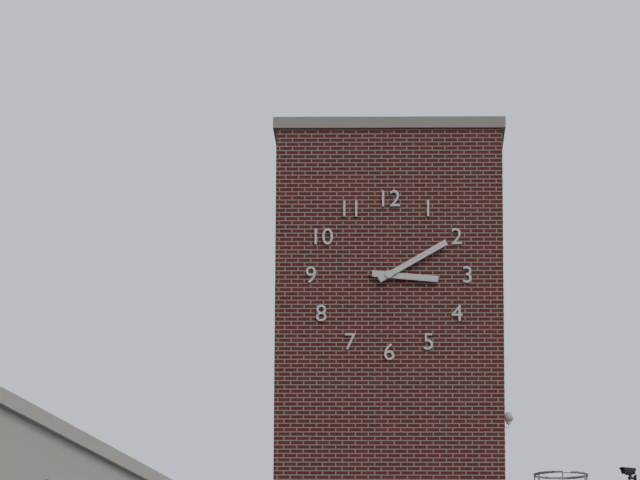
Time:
3h10
